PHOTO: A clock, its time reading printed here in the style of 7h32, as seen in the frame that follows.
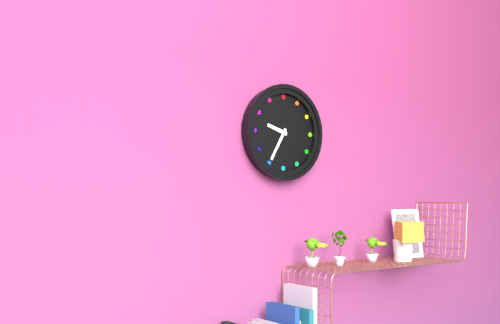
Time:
9h35
